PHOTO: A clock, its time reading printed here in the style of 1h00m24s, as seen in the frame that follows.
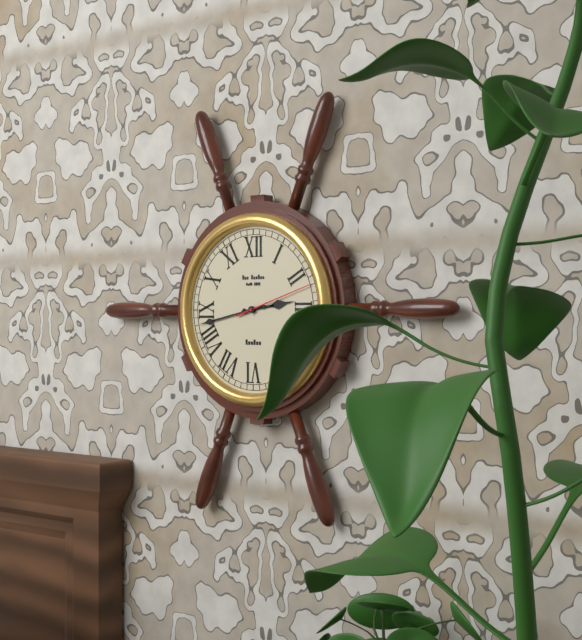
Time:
2h43m12s
